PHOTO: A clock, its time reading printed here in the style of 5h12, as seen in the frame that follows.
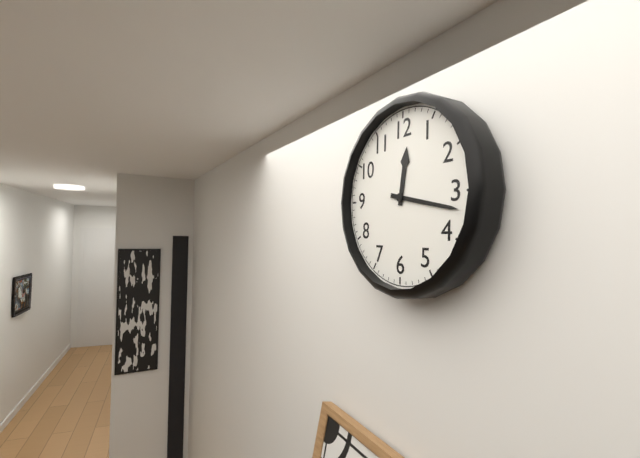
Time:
12h17
